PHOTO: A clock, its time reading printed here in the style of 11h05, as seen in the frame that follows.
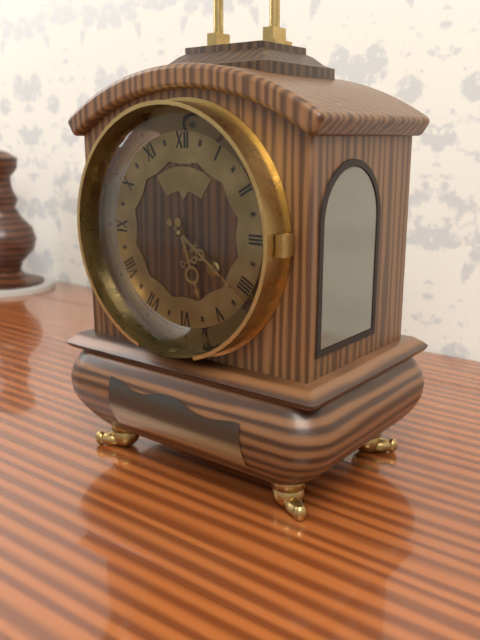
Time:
5h21
